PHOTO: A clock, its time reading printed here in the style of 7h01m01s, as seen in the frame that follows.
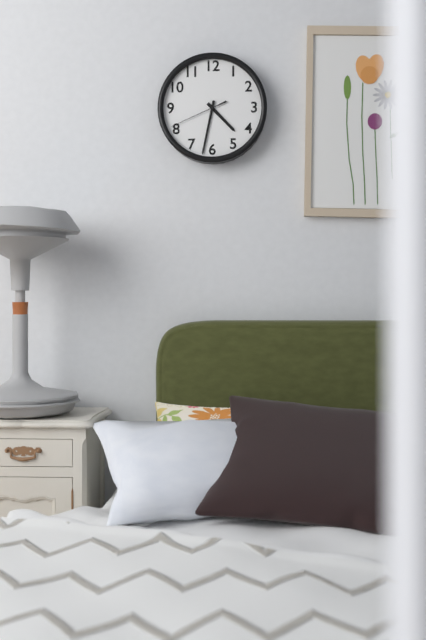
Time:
4h32m41s
